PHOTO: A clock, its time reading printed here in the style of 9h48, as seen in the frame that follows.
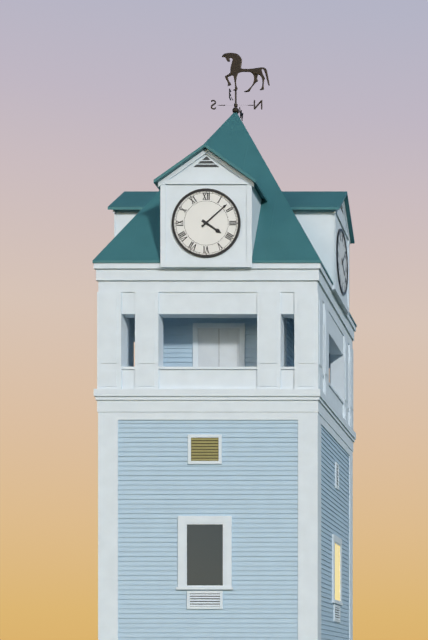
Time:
4h08
